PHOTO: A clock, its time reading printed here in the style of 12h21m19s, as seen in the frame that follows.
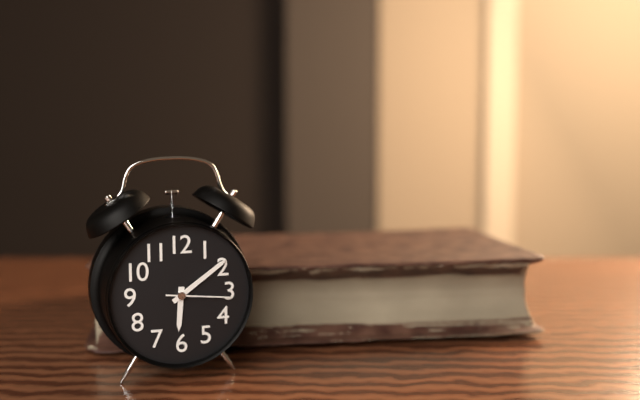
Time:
6h09m16s
